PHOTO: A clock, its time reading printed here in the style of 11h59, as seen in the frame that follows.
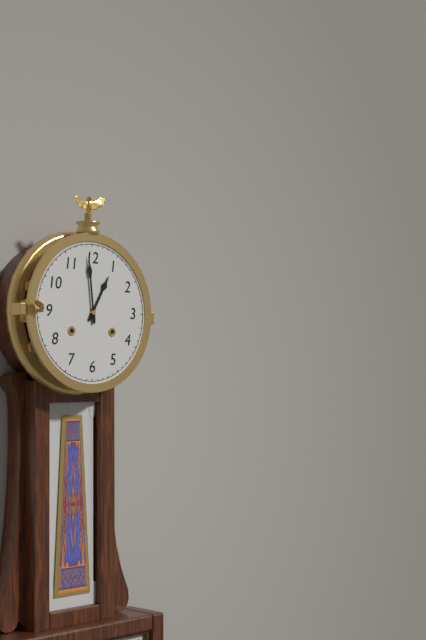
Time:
12h59
